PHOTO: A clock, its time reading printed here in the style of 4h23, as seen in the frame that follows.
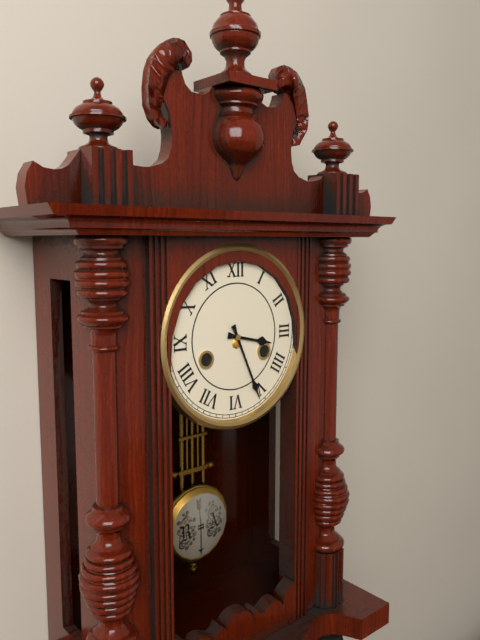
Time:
3h26
